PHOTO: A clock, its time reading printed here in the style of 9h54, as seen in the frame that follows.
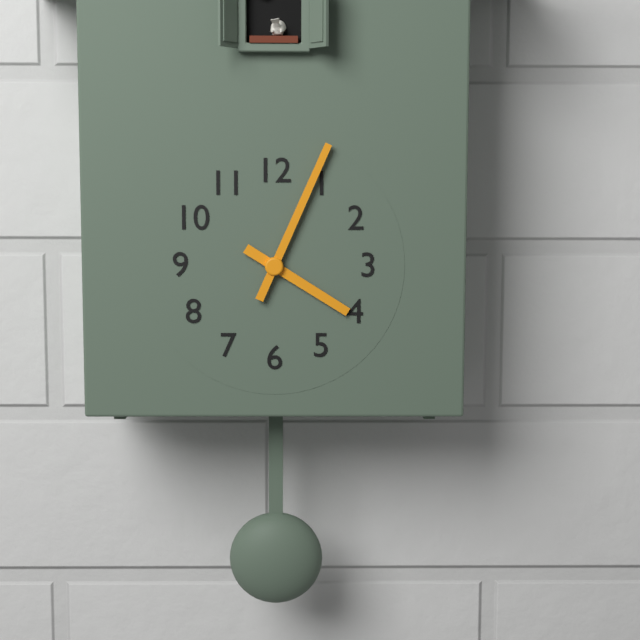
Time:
4h04
